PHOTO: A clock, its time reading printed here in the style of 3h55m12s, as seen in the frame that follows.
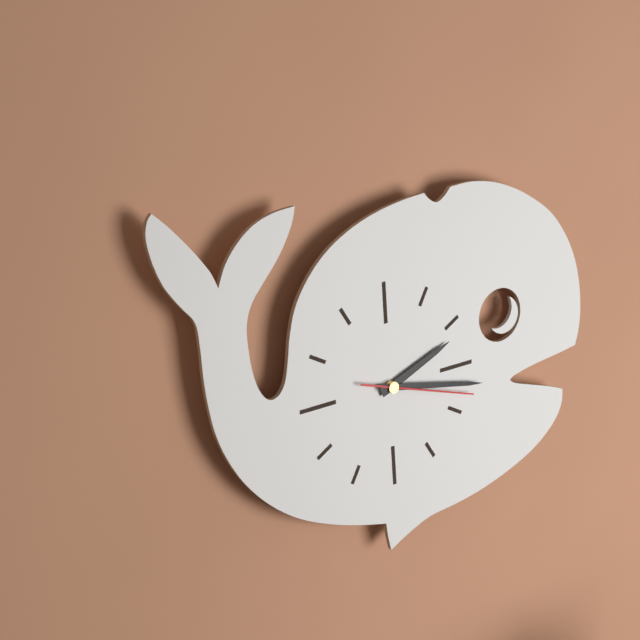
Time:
2h17m18s
